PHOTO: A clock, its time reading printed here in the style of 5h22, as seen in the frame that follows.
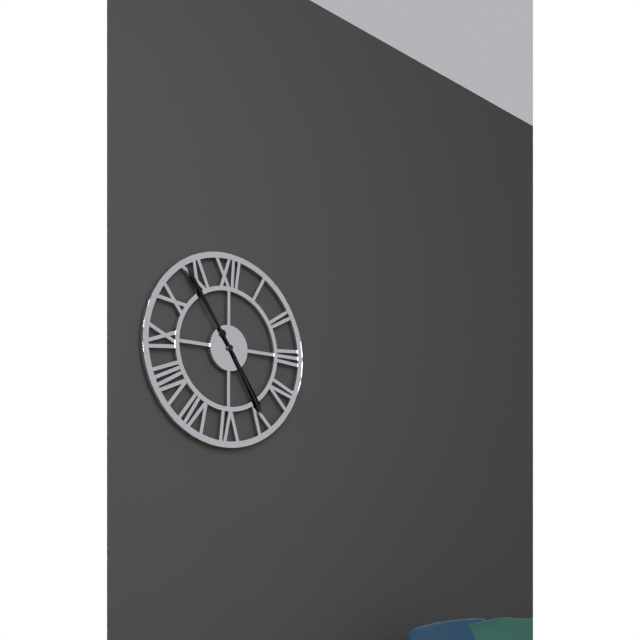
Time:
4h54
